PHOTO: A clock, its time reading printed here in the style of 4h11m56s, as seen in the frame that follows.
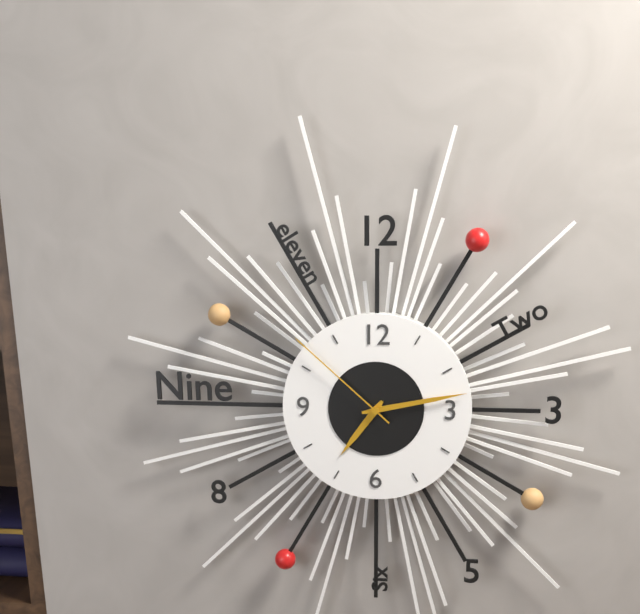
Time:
7h13m52s
